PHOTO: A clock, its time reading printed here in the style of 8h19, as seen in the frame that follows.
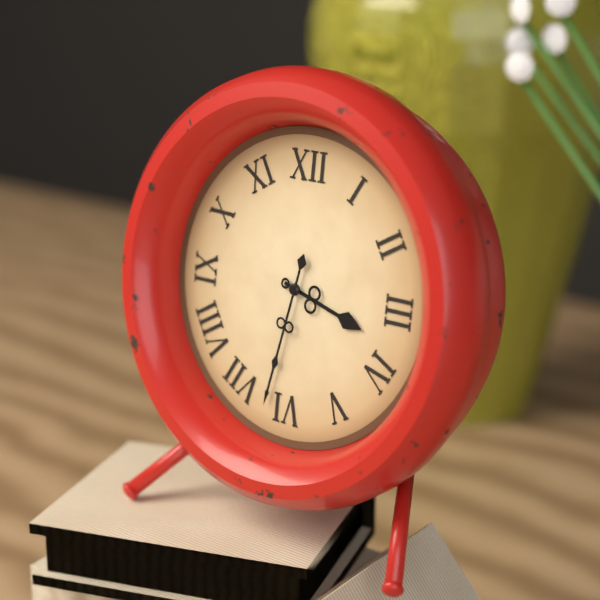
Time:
3h32
